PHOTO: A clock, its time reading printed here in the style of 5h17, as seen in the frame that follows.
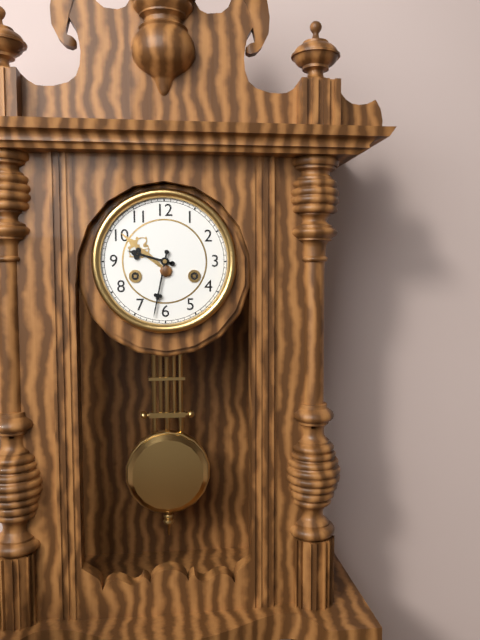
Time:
9h32
